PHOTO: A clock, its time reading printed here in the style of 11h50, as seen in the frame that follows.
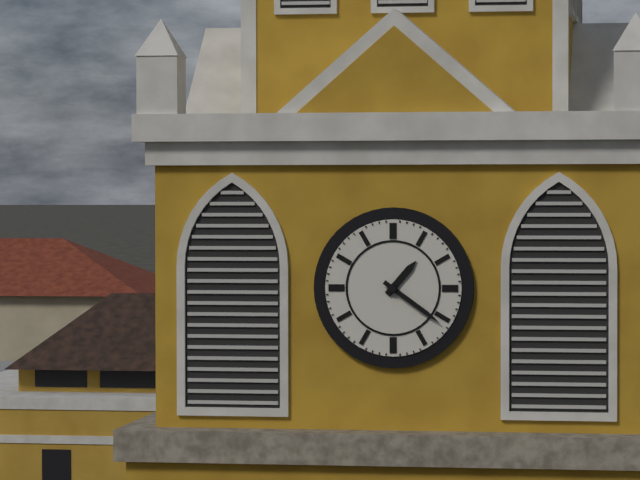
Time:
1h21
